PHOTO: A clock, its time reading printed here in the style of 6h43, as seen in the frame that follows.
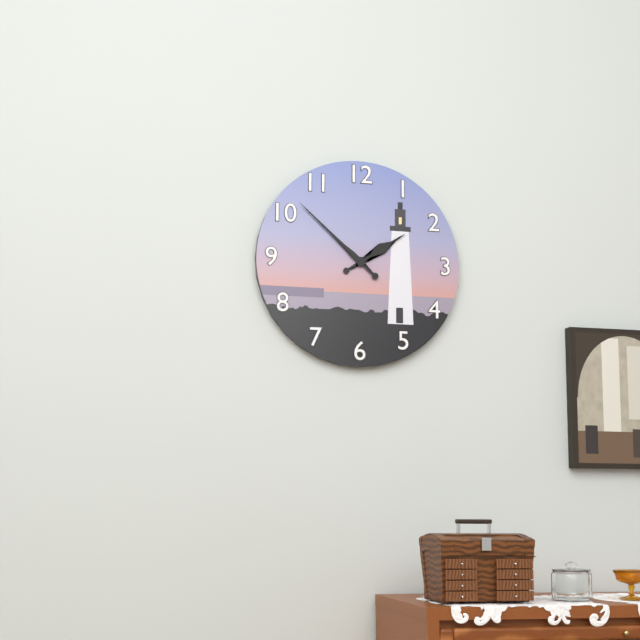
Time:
1h52
